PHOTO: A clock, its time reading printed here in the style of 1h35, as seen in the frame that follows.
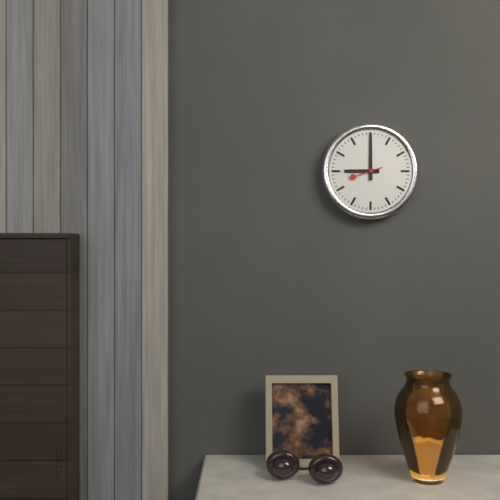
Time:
9h00
